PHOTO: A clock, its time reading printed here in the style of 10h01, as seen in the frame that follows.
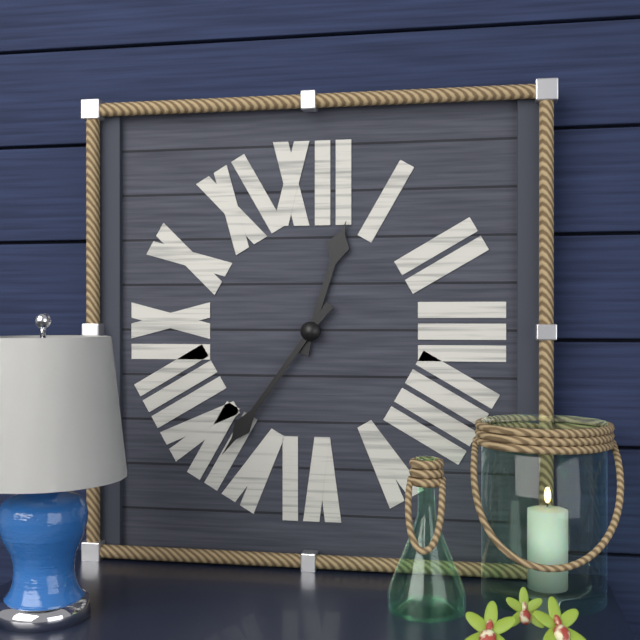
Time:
12h36
